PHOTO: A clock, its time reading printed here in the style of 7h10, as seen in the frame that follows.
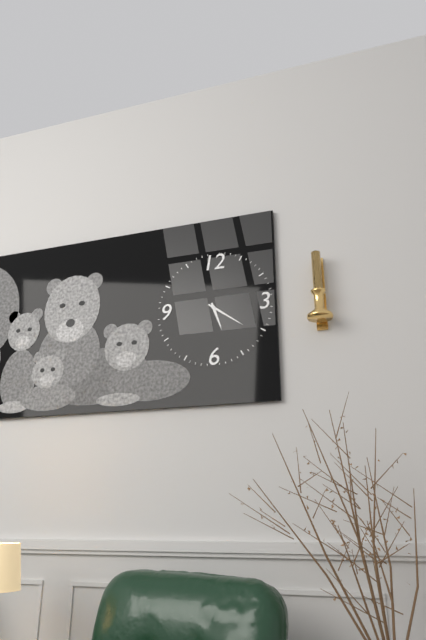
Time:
5h21
